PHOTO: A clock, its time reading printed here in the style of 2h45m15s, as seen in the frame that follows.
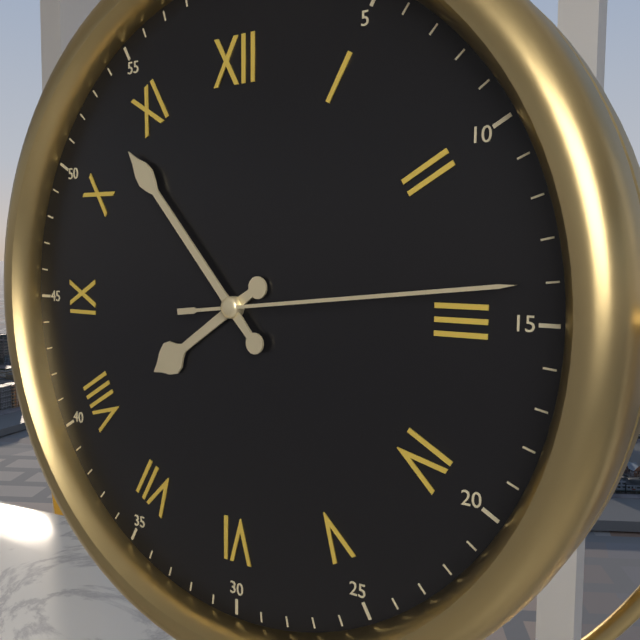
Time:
7h53m14s
